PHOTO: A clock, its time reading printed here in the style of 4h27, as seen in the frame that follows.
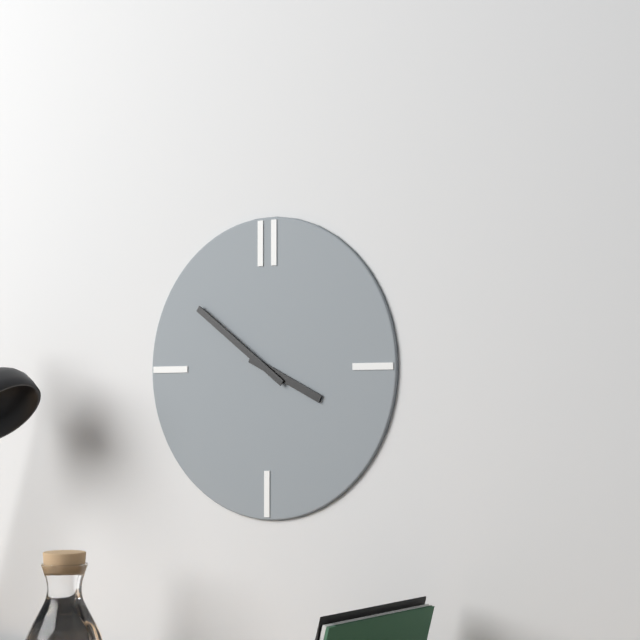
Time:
3h51
